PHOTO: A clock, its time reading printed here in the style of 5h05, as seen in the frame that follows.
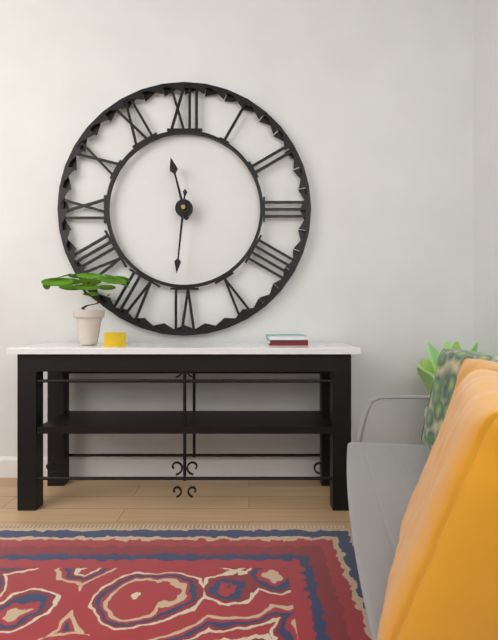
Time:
11h31
